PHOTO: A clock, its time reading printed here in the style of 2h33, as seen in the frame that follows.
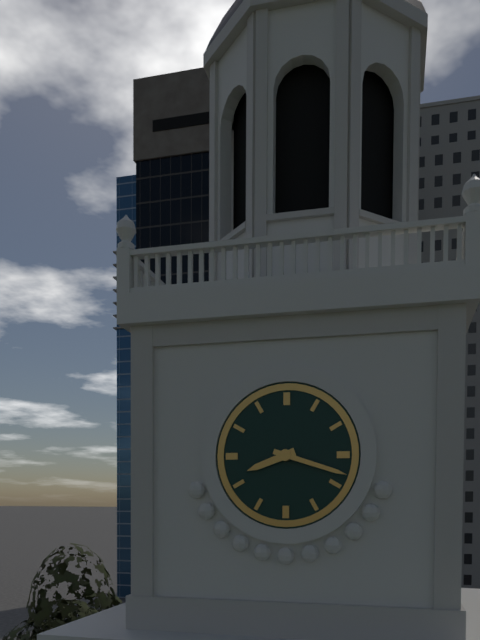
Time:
8h18
